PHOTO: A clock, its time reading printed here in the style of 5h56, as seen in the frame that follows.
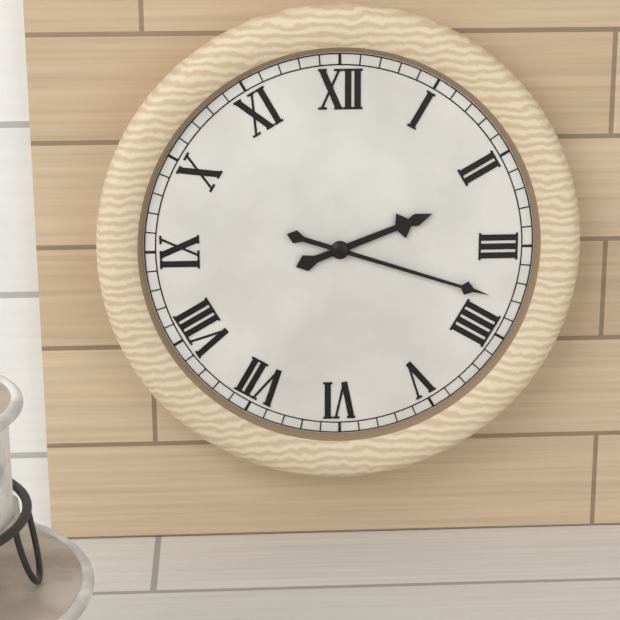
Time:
2h18
